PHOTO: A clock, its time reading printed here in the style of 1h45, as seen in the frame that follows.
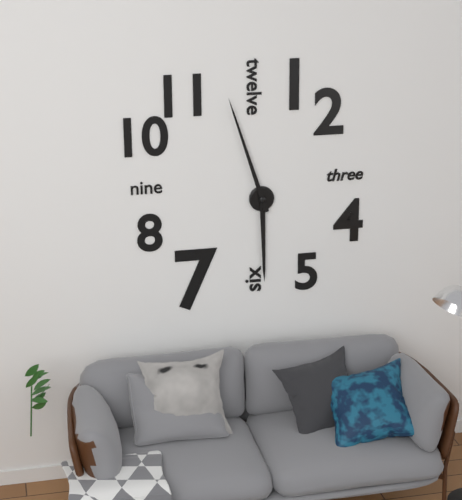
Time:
5h57
